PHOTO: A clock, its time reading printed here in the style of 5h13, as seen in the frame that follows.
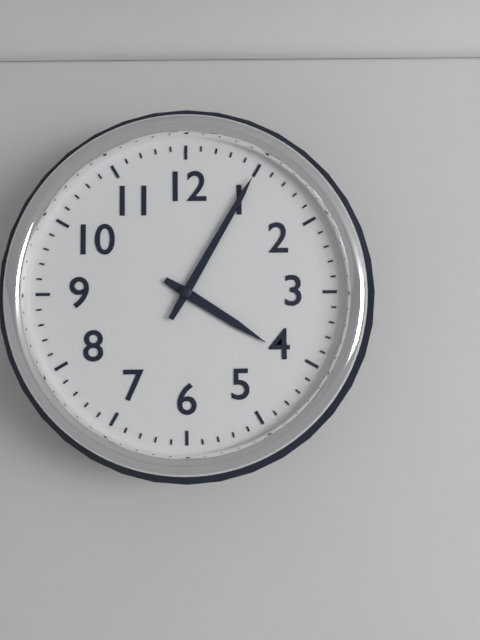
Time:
4h05
